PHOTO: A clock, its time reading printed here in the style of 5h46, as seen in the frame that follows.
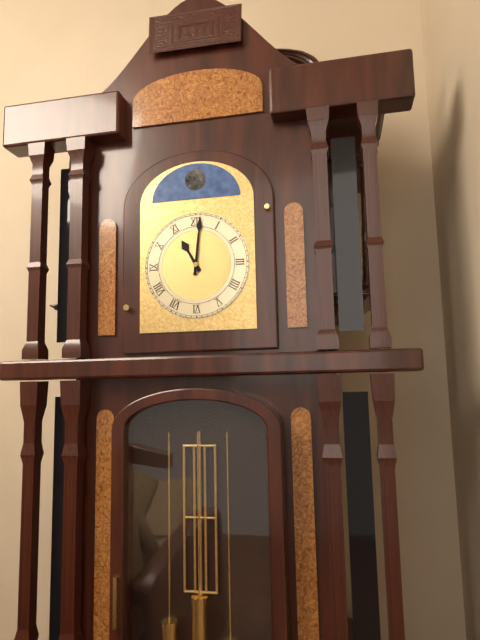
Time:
11h01
